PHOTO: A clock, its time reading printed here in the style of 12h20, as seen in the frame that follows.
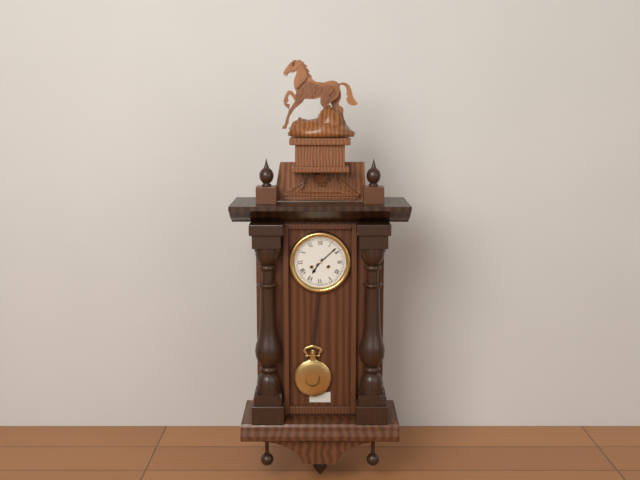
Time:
7h08
